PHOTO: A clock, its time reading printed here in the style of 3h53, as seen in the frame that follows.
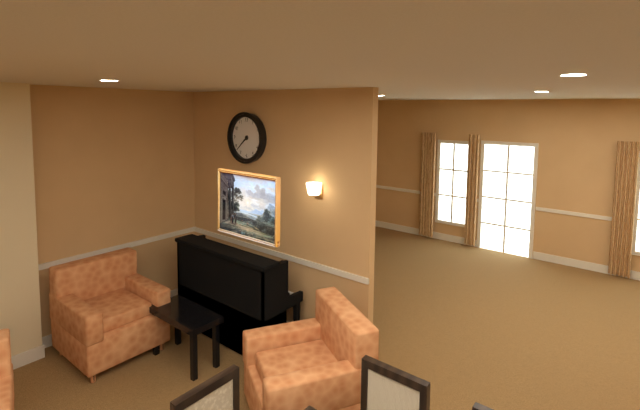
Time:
7h38
